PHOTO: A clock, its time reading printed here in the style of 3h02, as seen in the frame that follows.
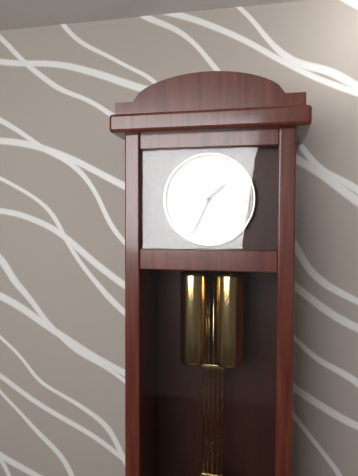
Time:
1h34
